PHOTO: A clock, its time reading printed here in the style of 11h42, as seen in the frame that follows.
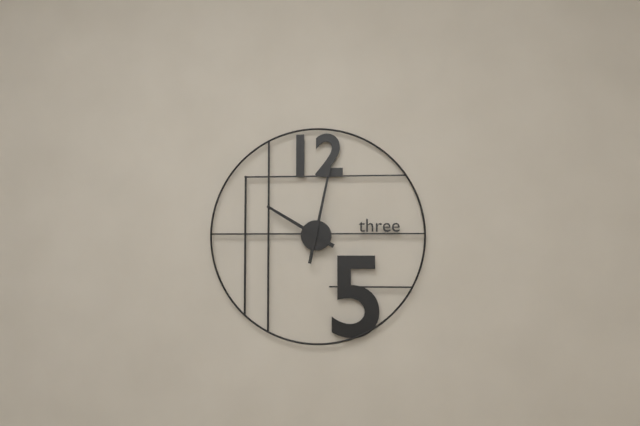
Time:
10h02
